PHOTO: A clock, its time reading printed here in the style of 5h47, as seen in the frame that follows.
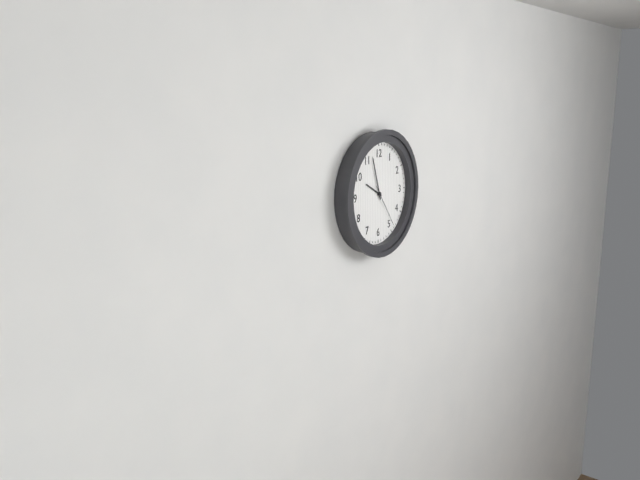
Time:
9h57
